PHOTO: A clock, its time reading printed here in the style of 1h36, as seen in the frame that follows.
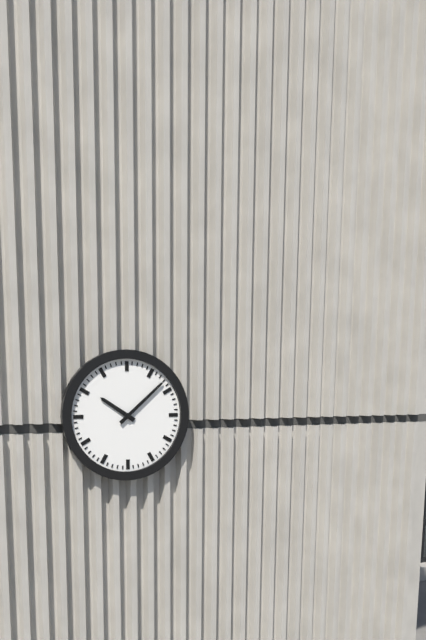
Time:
10h08
